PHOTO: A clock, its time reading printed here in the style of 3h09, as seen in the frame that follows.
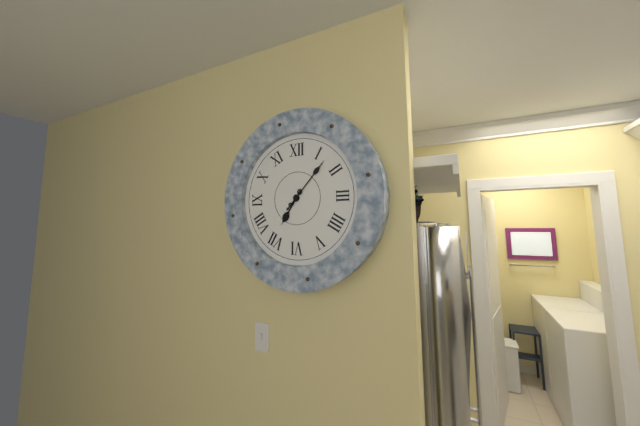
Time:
7h07
